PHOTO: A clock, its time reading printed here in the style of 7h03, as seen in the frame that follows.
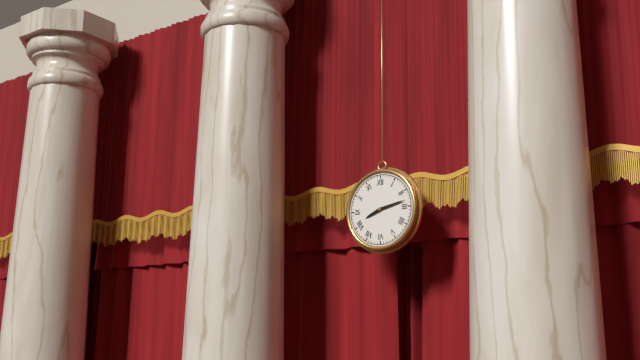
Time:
8h13
